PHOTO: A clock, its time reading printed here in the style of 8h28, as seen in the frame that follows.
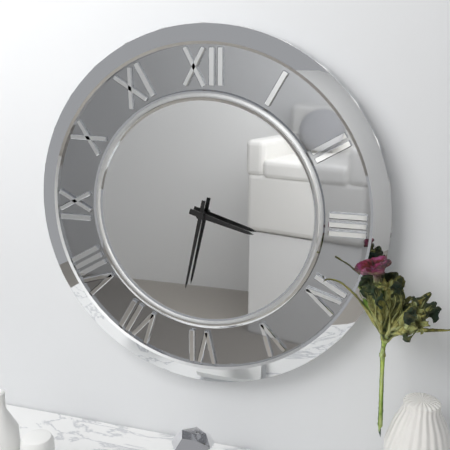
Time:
3h32
